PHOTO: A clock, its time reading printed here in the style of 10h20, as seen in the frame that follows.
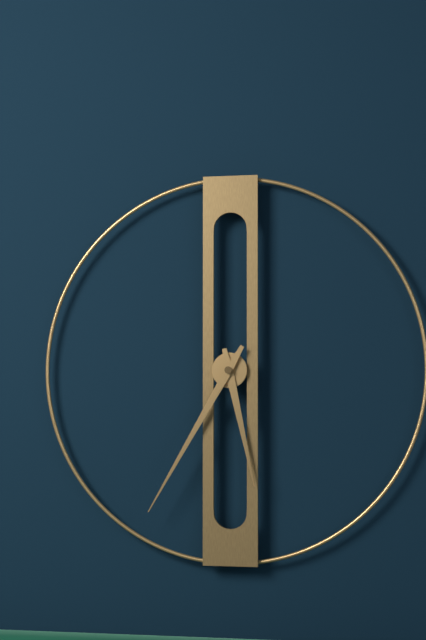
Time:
5h35
